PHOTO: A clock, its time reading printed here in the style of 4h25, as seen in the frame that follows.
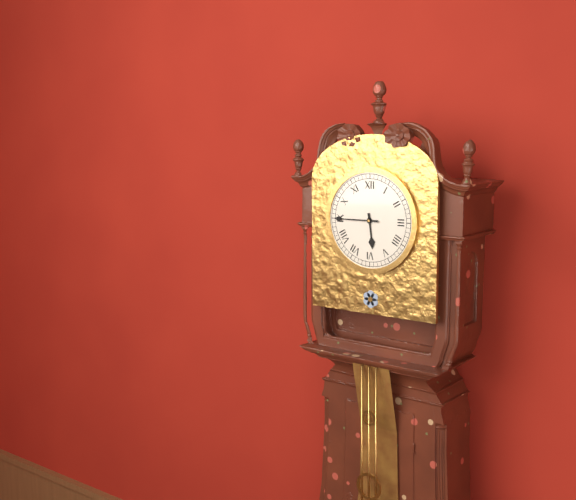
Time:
5h45
